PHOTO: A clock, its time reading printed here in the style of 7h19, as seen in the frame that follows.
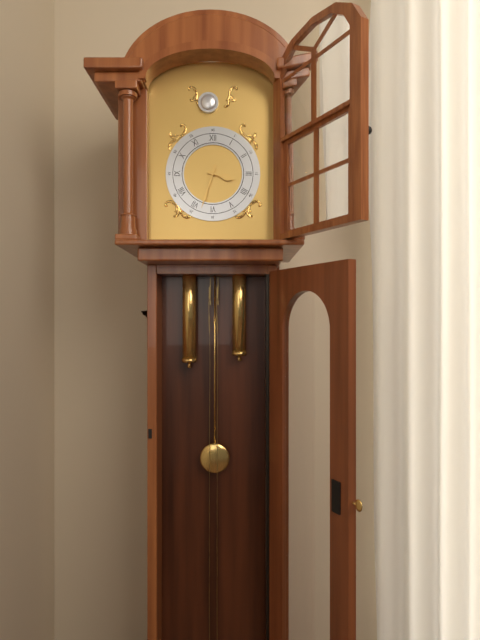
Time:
3h33
